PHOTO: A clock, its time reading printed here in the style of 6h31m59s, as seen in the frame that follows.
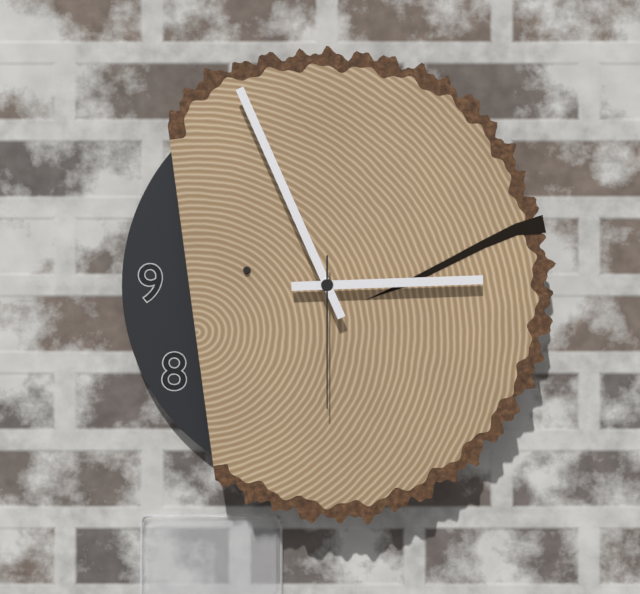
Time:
2h56m30s
